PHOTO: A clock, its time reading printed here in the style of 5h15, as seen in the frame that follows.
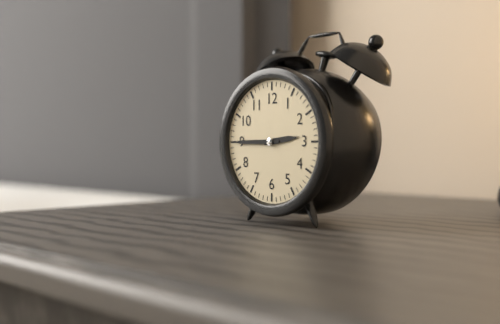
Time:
2h45
